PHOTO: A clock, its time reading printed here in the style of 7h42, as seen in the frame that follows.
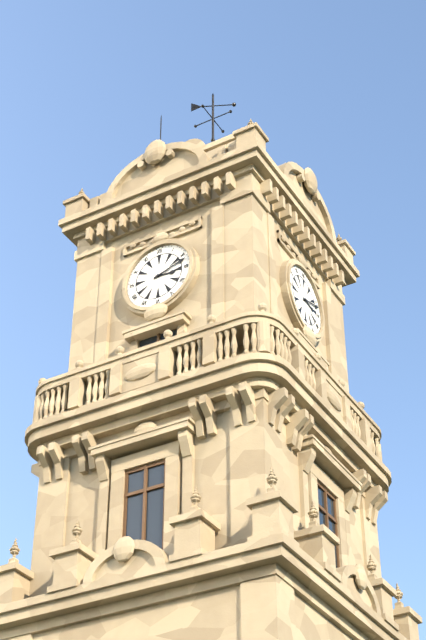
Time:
3h12
